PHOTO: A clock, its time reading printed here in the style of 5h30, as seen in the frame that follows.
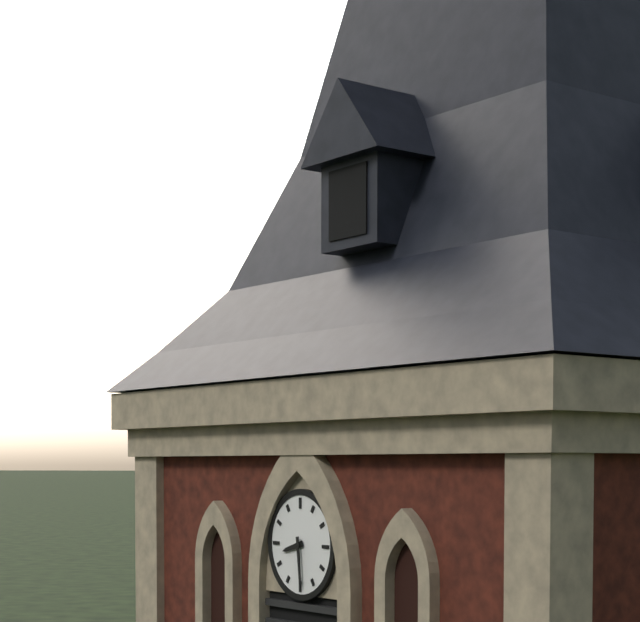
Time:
8h29
